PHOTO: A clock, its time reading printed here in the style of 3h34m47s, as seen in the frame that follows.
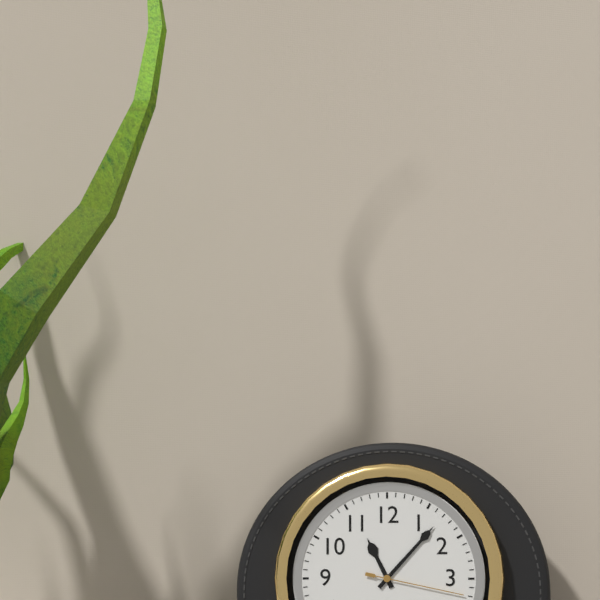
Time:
11h07m17s
